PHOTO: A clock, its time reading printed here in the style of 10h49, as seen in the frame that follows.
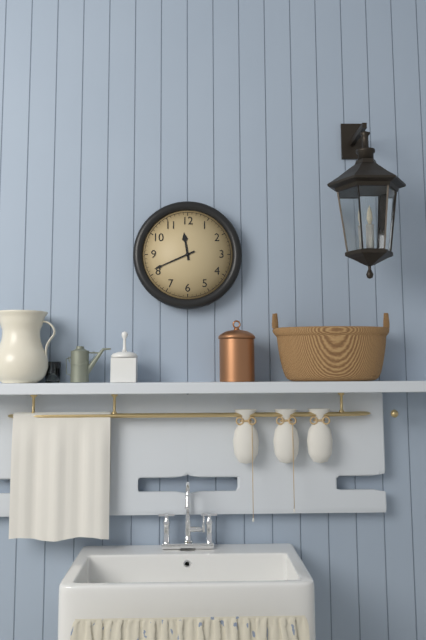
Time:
11h41
